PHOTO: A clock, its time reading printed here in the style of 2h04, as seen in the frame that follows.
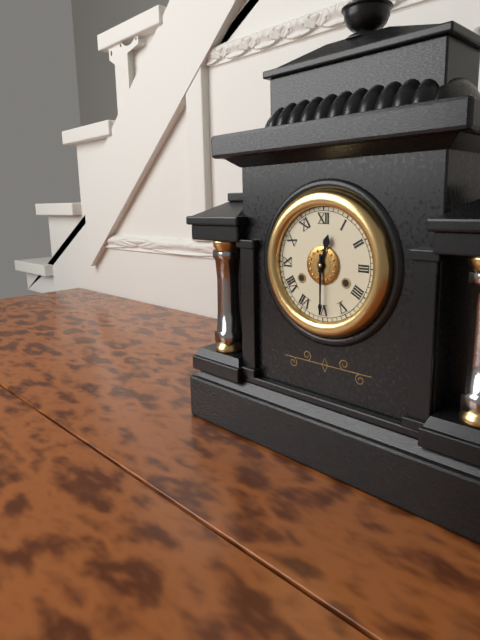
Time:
12h30
